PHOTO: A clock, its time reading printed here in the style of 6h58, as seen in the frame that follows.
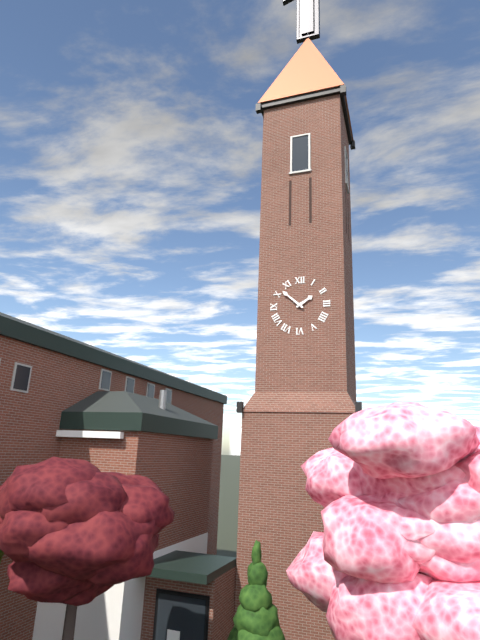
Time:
1h52
